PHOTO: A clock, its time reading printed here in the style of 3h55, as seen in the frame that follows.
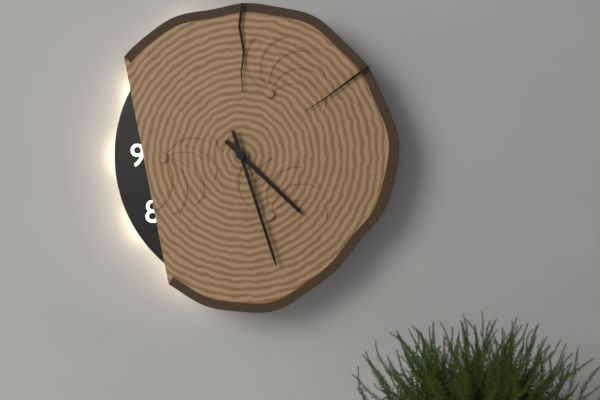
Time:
4h27
